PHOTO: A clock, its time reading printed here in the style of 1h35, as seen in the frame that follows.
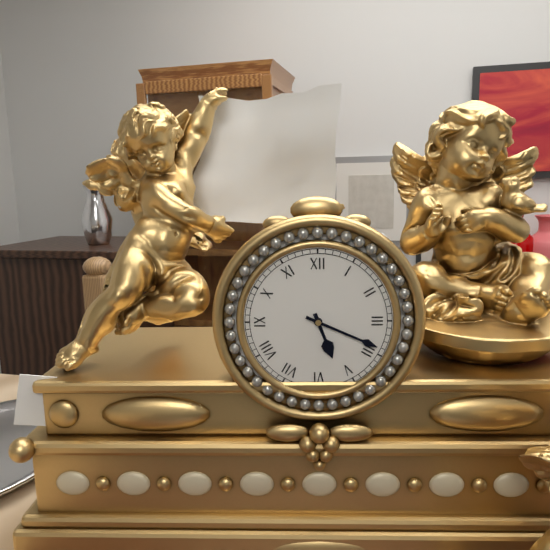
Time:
5h19
